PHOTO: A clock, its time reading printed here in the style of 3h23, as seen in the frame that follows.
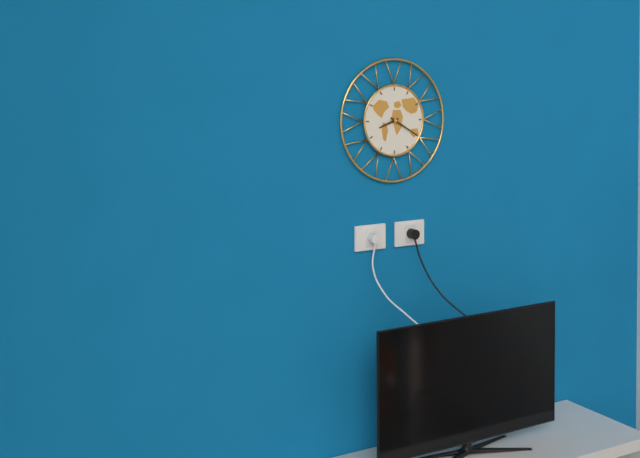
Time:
8h20
